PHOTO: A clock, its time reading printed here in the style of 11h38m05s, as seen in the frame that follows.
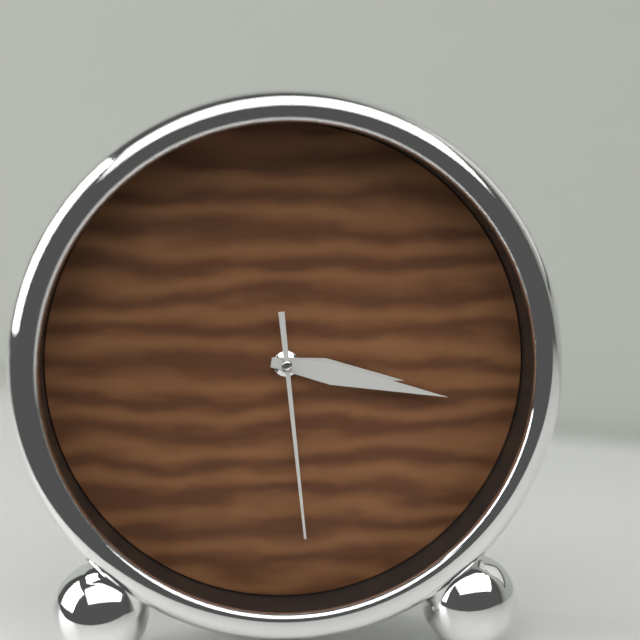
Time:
3h17m29s
